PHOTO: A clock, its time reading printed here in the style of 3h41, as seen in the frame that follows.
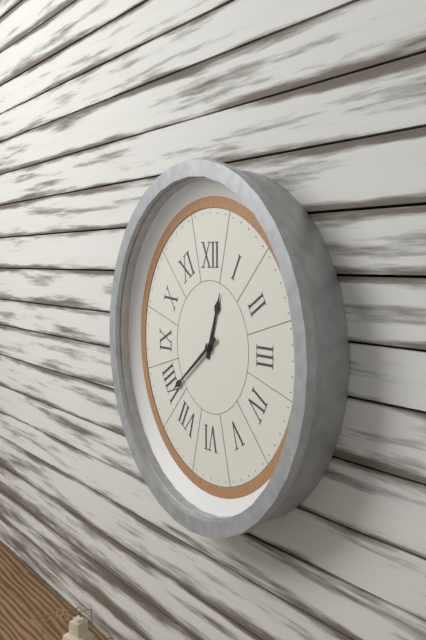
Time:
12h39
